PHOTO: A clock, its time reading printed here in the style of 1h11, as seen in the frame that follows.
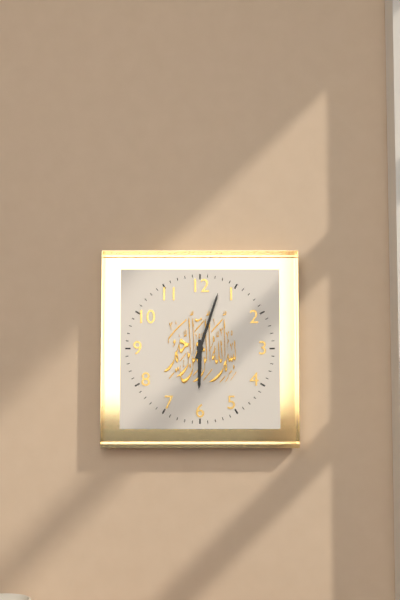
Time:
6h03
